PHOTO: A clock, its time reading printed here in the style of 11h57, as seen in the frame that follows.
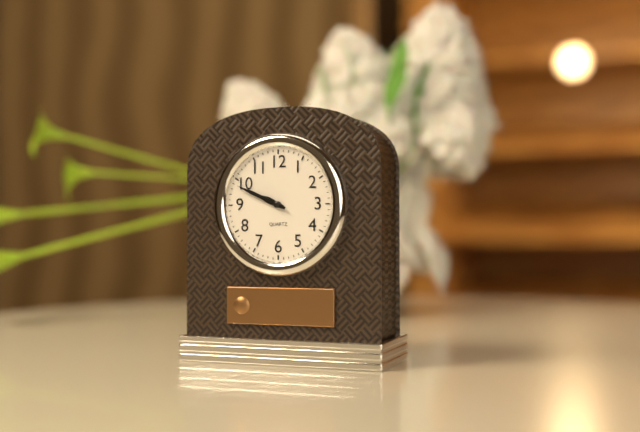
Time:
9h49
